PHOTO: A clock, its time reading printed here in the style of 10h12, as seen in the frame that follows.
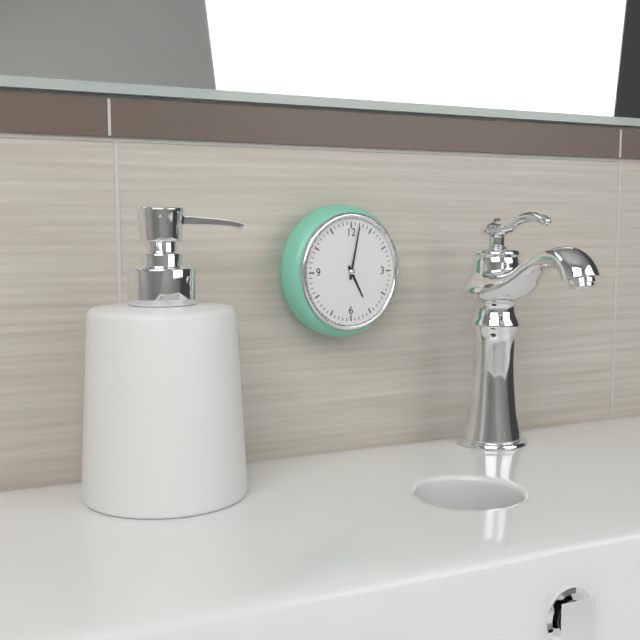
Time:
5h02
